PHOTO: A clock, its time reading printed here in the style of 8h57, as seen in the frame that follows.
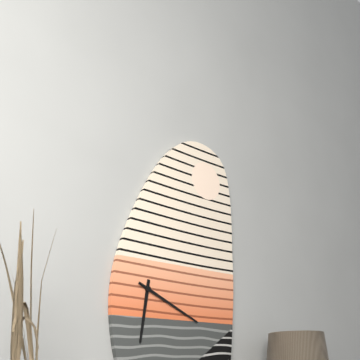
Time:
6h19
